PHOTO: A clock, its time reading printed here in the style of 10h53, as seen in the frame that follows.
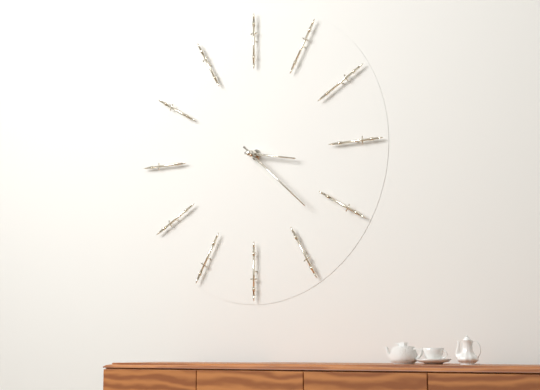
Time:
3h22
